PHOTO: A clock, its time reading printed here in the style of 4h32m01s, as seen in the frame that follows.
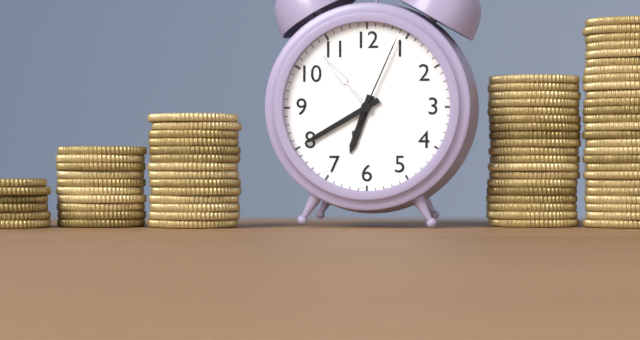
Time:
6h40m04s
